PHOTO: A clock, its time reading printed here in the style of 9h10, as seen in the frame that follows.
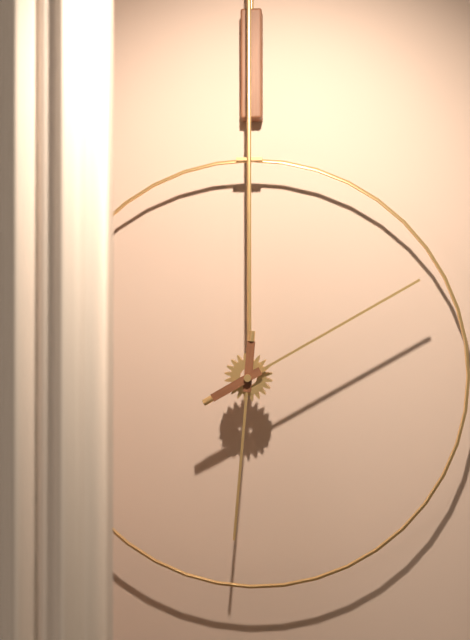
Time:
6h10
